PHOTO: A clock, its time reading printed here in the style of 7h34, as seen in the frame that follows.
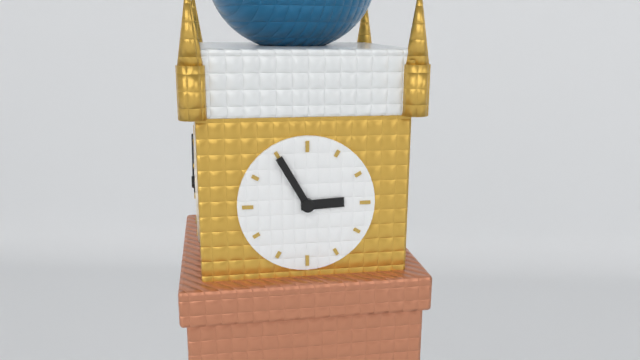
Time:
2h55
